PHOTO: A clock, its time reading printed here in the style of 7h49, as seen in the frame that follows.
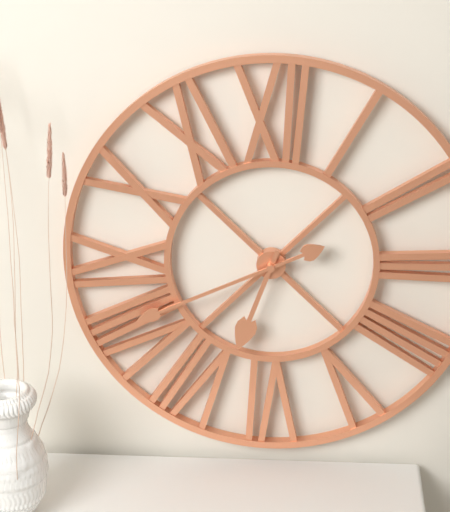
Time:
6h41
